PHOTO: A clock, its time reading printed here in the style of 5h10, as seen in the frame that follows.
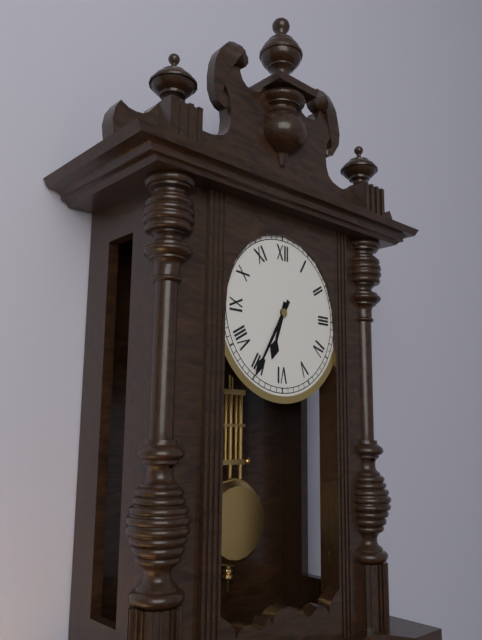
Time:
6h35
